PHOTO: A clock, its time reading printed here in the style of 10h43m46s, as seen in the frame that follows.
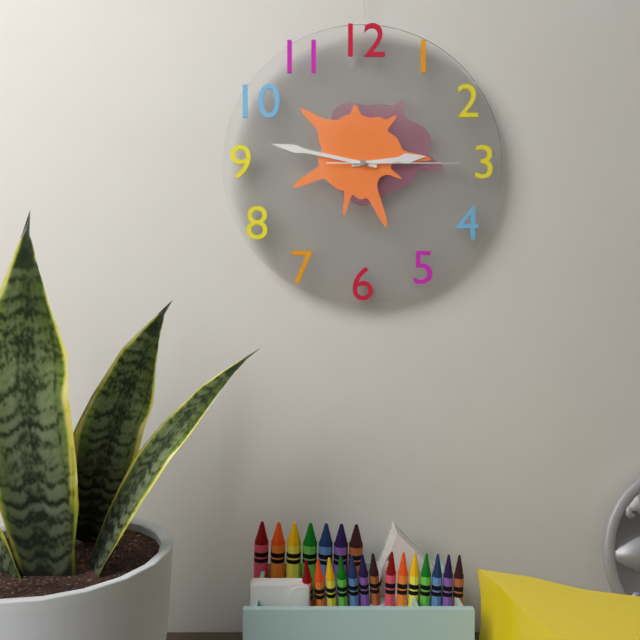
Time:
2h47m15s
